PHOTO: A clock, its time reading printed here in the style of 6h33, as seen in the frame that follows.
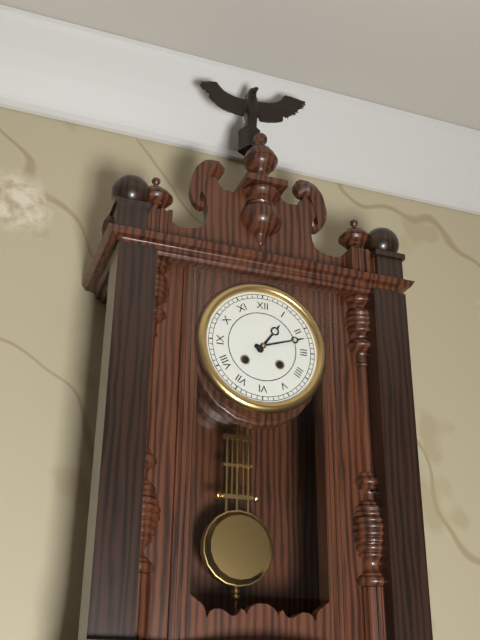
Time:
1h12
